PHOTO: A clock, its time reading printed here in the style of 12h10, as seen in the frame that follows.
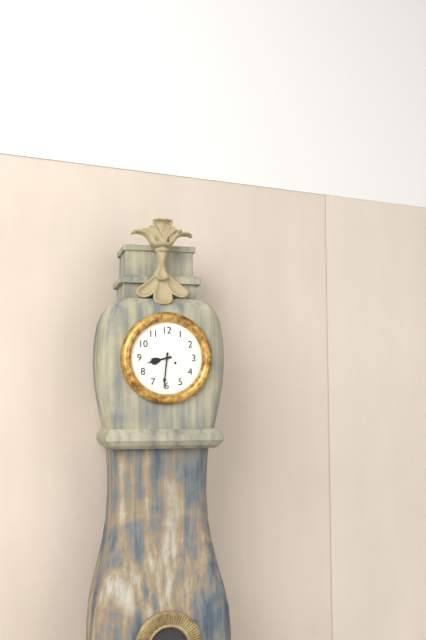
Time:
8h31
